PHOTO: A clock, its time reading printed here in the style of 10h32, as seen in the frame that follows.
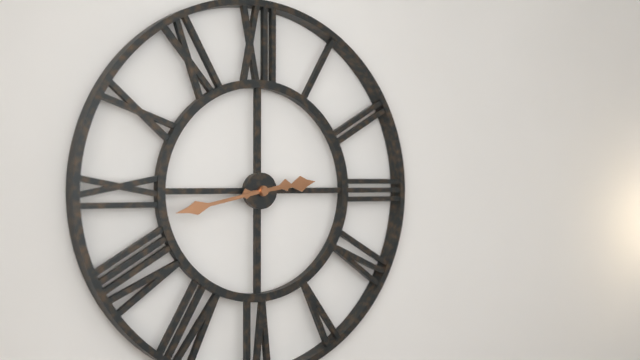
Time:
2h43
